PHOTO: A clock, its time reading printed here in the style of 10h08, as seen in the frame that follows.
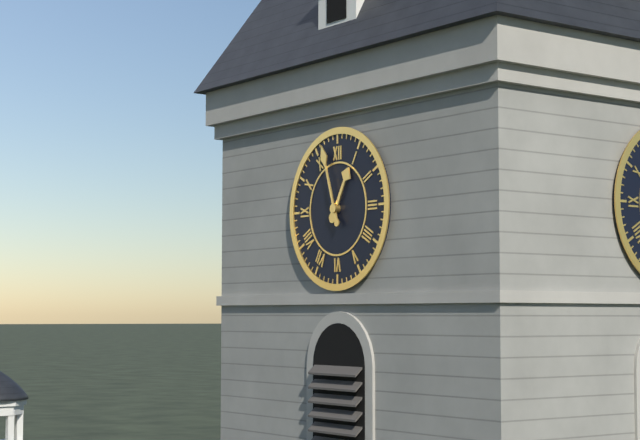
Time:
12h57
